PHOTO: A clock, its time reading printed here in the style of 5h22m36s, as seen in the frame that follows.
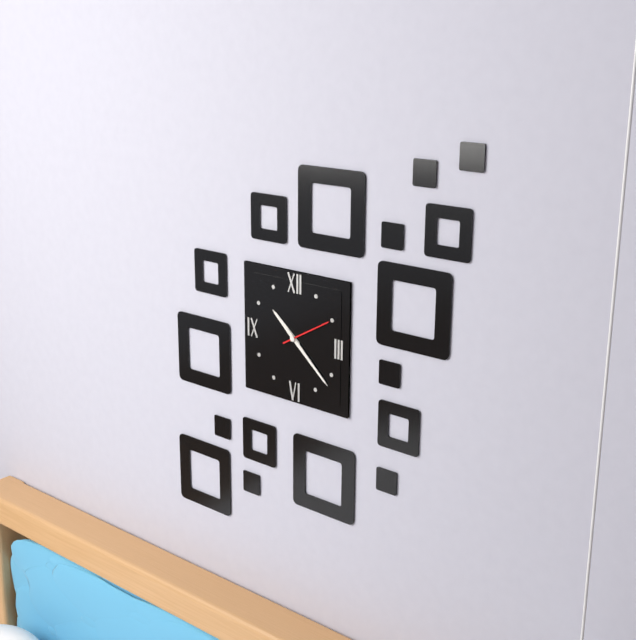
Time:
10h22m10s
